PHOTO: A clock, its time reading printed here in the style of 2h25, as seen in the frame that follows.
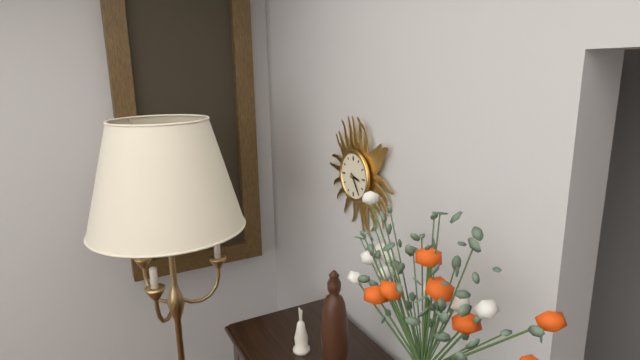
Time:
3h24
